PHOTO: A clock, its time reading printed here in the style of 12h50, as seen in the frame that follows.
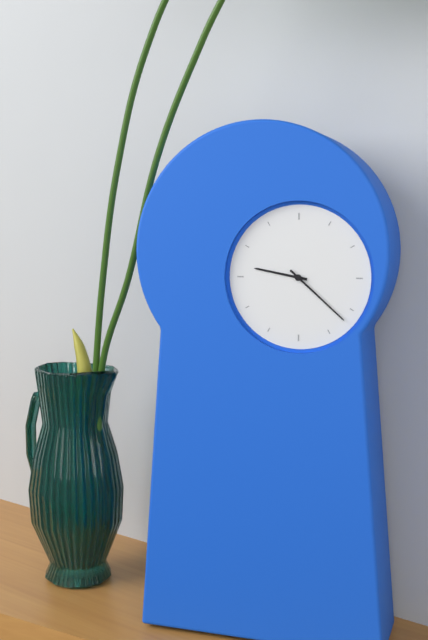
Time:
9h22
